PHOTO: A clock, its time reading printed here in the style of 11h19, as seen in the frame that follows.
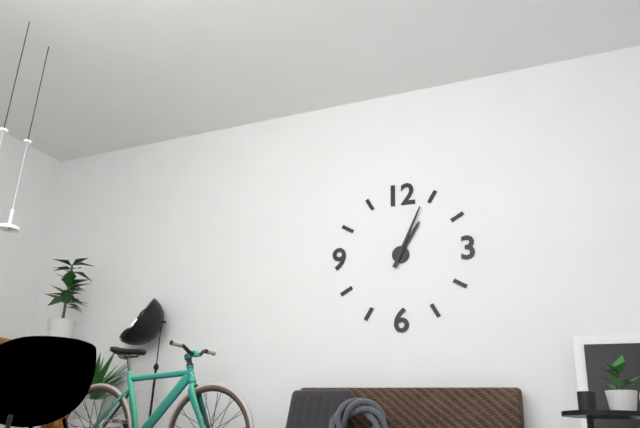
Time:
1h04
